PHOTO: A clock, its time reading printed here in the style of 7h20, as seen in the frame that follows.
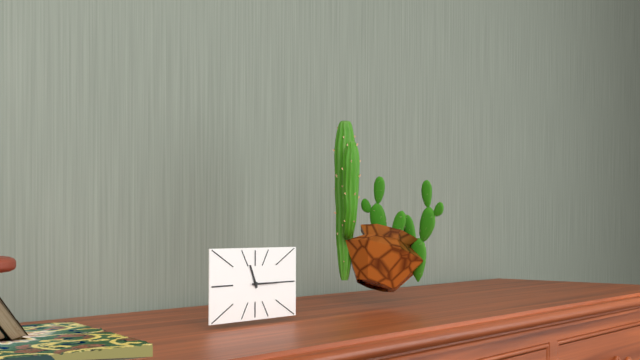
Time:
11h15
